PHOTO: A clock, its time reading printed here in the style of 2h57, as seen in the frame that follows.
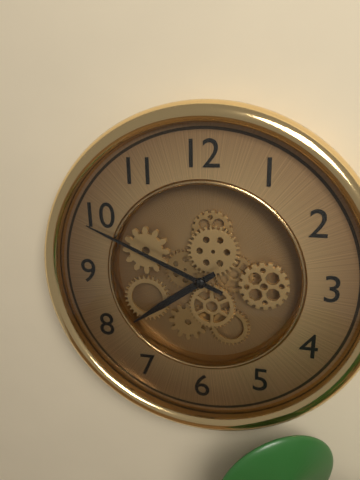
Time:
7h49
